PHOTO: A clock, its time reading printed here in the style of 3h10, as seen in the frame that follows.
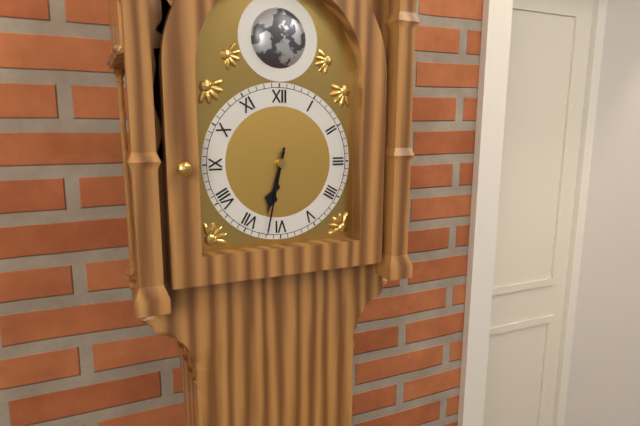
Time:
6h32
